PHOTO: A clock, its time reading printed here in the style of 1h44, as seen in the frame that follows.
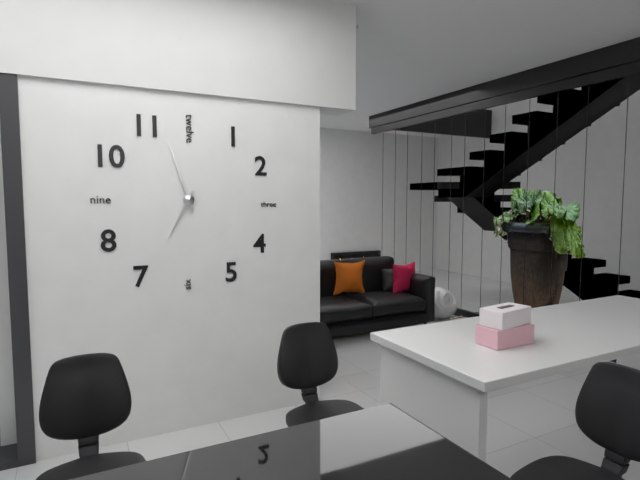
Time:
6h57
